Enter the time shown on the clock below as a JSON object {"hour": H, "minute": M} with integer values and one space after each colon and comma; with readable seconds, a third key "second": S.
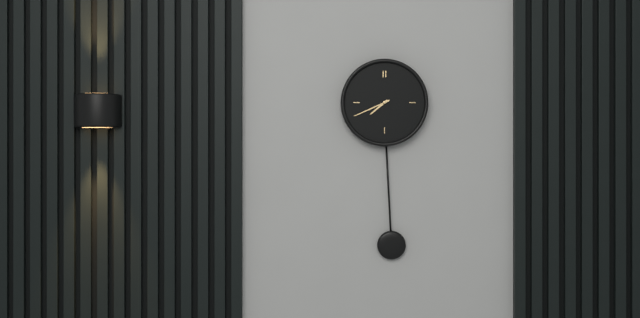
{"hour": 7, "minute": 41}
